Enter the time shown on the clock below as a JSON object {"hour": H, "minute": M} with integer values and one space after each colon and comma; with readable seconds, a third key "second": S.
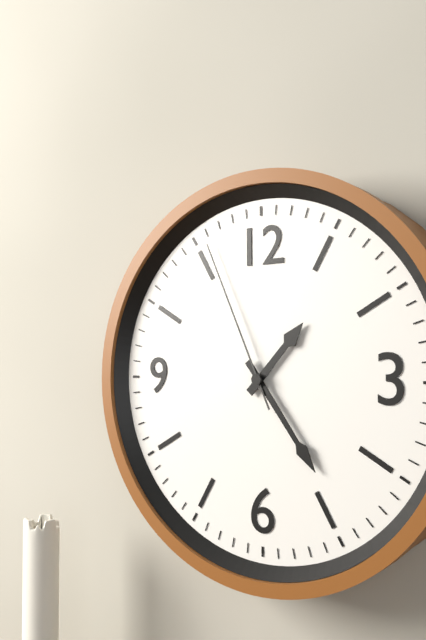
{"hour": 1, "minute": 24, "second": 56}
